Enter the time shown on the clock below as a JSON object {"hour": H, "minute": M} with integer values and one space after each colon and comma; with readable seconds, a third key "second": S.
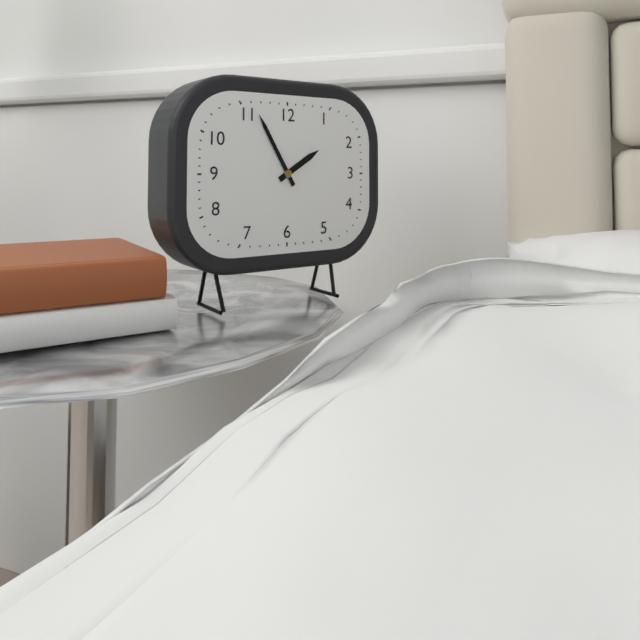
{"hour": 1, "minute": 55}
